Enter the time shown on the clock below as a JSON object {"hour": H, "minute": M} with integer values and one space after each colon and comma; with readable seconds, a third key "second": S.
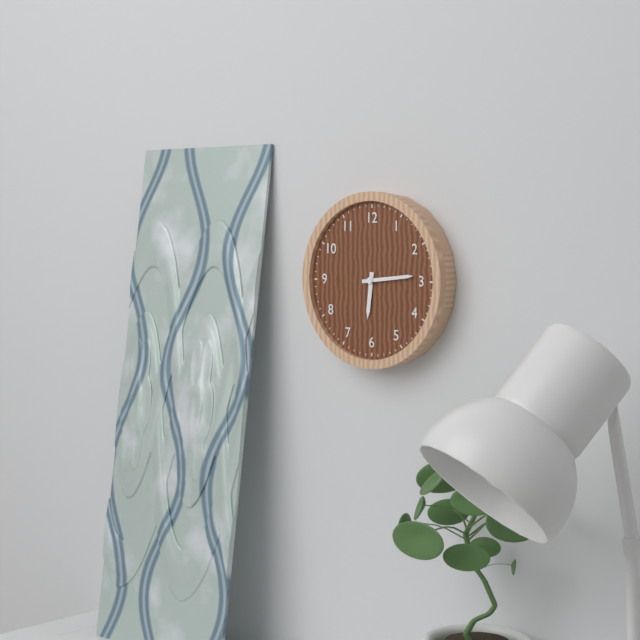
{"hour": 6, "minute": 14}
